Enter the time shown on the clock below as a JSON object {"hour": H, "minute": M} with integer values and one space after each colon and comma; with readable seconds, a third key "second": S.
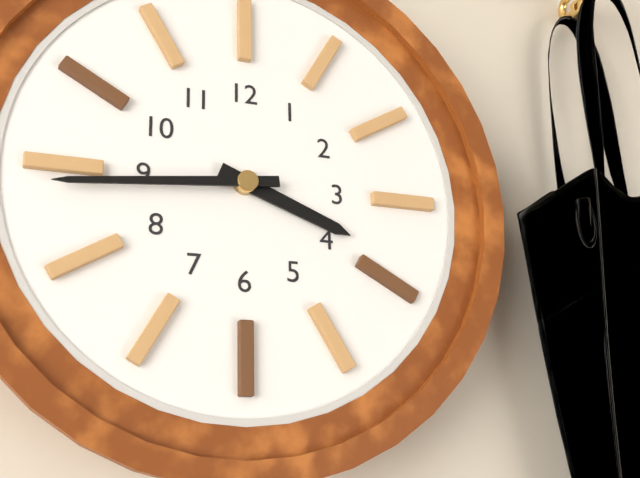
{"hour": 3, "minute": 44}
